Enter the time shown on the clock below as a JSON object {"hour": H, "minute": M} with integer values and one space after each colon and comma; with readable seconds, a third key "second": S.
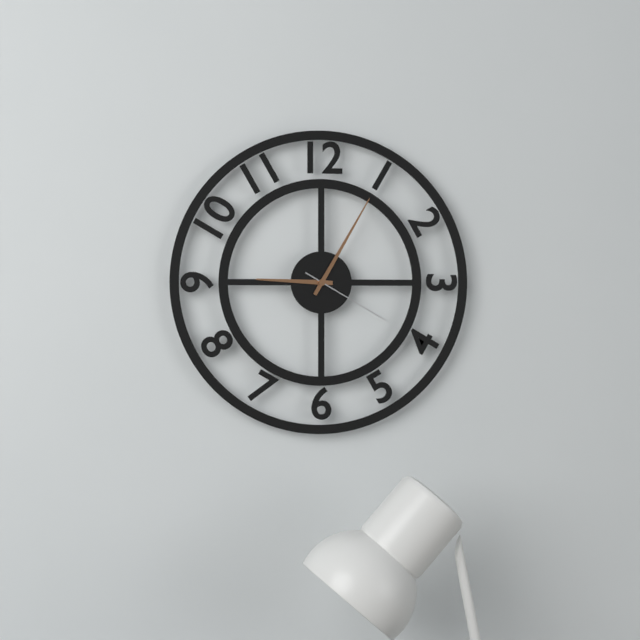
{"hour": 9, "minute": 5, "second": 20}
